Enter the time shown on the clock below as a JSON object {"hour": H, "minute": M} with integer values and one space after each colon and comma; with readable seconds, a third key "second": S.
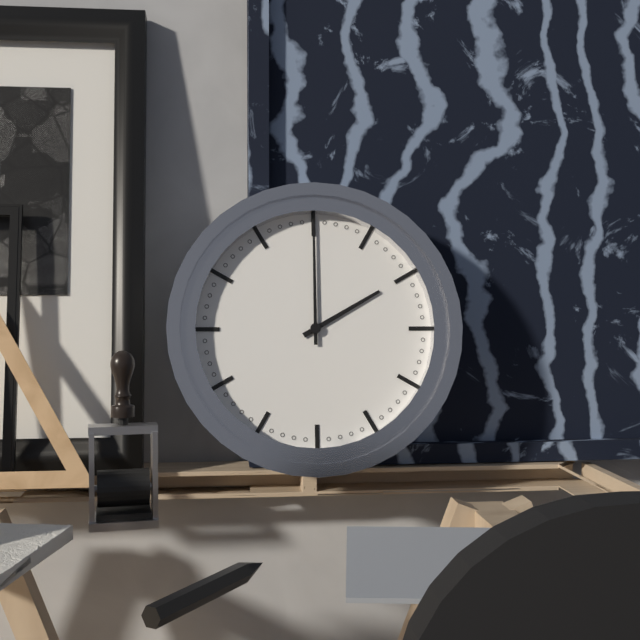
{"hour": 2, "minute": 0}
